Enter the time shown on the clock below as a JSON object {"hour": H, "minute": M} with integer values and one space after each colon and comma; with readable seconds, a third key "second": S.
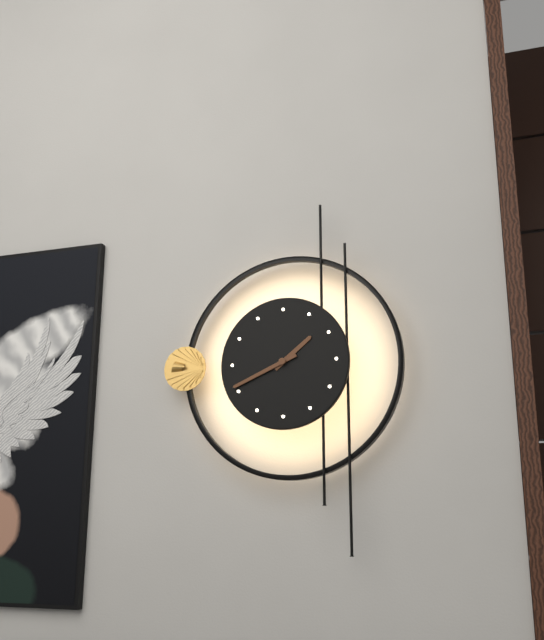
{"hour": 1, "minute": 41}
